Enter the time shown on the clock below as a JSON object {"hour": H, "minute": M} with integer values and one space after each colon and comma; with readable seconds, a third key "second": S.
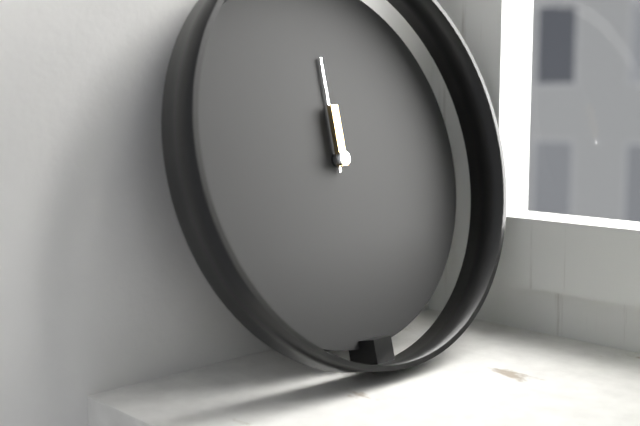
{"hour": 12, "minute": 0}
